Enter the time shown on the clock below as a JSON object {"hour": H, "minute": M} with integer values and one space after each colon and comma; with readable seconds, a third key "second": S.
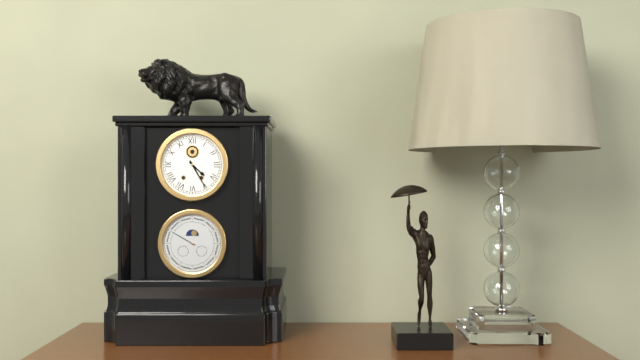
{"hour": 4, "minute": 25}
